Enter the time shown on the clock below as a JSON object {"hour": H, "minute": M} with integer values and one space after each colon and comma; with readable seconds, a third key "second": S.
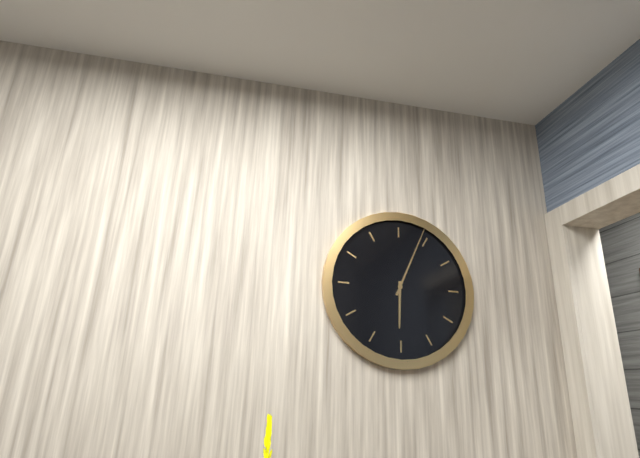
{"hour": 6, "minute": 4}
